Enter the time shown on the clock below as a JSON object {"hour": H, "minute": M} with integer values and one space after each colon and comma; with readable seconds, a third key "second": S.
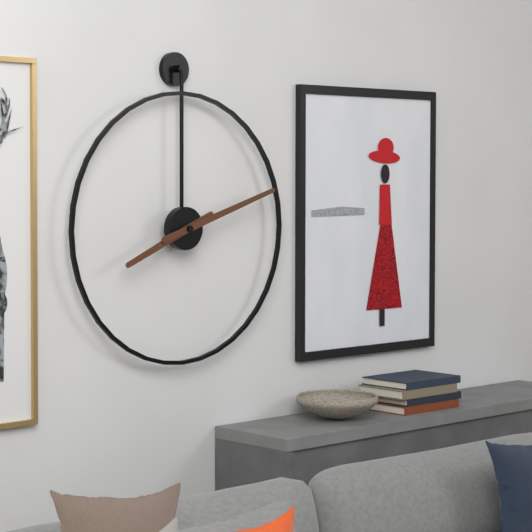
{"hour": 8, "minute": 12}
